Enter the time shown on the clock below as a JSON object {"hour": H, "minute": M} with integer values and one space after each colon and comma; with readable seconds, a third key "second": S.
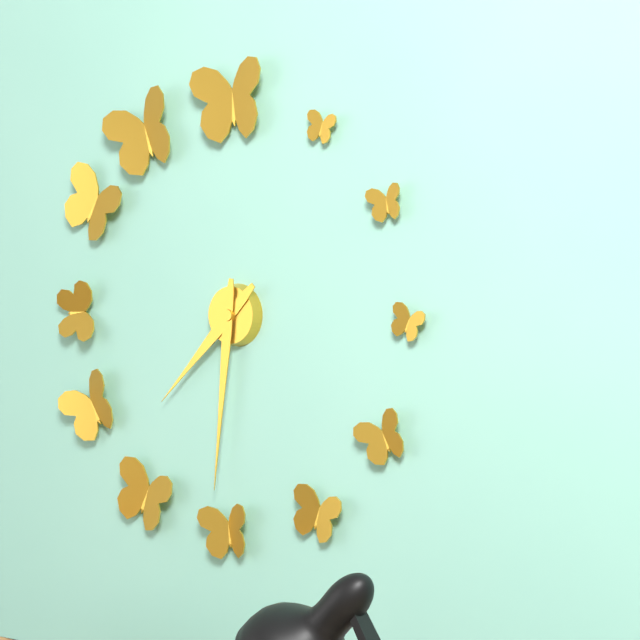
{"hour": 7, "minute": 31}
